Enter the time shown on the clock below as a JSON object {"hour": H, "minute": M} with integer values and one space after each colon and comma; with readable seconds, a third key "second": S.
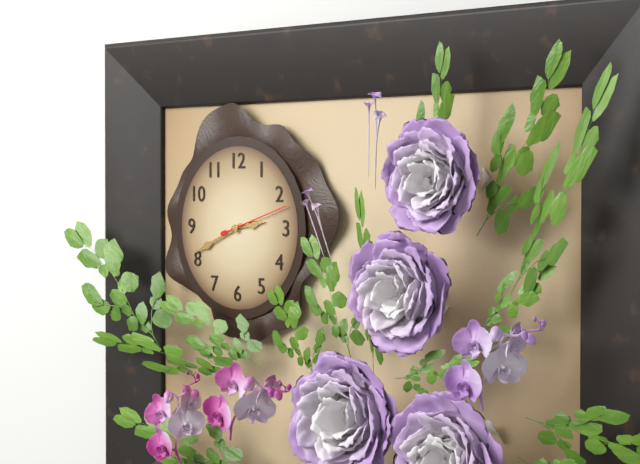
{"hour": 2, "minute": 41, "second": 12}
